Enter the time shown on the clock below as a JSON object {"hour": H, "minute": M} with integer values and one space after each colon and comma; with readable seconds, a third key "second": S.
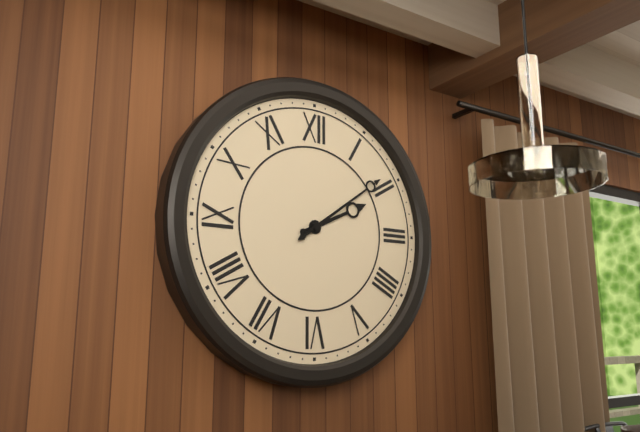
{"hour": 2, "minute": 9}
